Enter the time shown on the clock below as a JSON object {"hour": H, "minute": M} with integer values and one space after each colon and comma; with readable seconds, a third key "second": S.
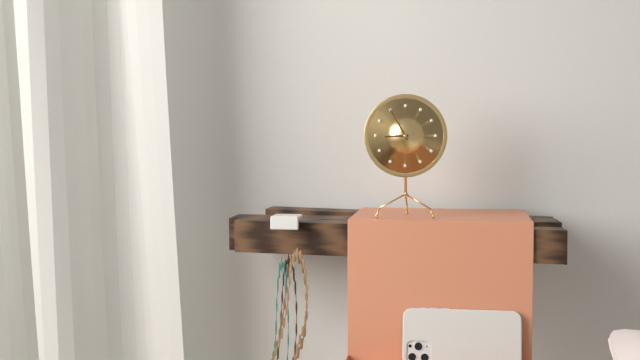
{"hour": 8, "minute": 55}
